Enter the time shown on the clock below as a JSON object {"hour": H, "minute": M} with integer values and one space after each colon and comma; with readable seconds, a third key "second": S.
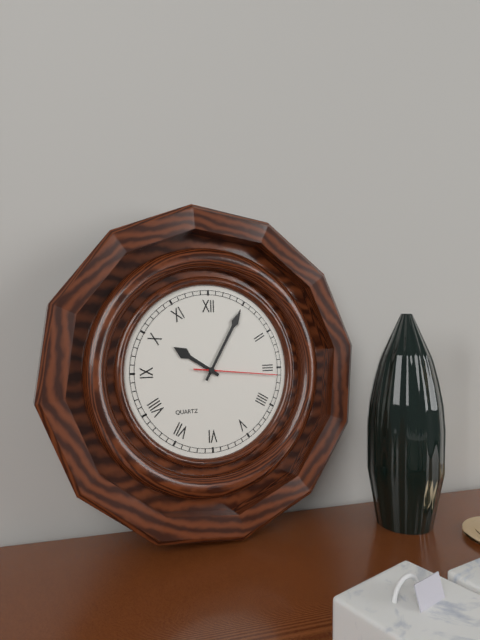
{"hour": 10, "minute": 5, "second": 16}
